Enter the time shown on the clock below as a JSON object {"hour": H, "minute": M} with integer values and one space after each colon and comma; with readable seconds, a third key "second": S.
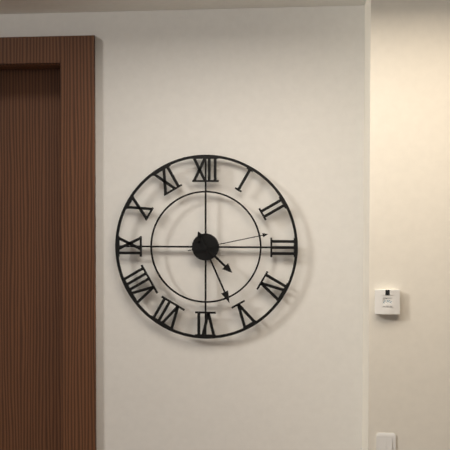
{"hour": 4, "minute": 26, "second": 13}
